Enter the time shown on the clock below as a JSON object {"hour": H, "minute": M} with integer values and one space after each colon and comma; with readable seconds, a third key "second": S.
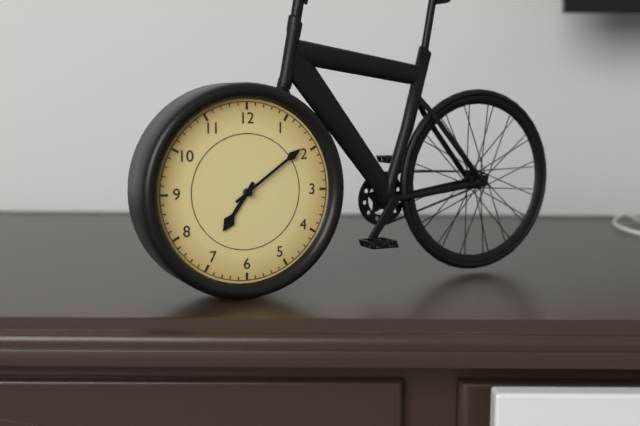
{"hour": 7, "minute": 9}
